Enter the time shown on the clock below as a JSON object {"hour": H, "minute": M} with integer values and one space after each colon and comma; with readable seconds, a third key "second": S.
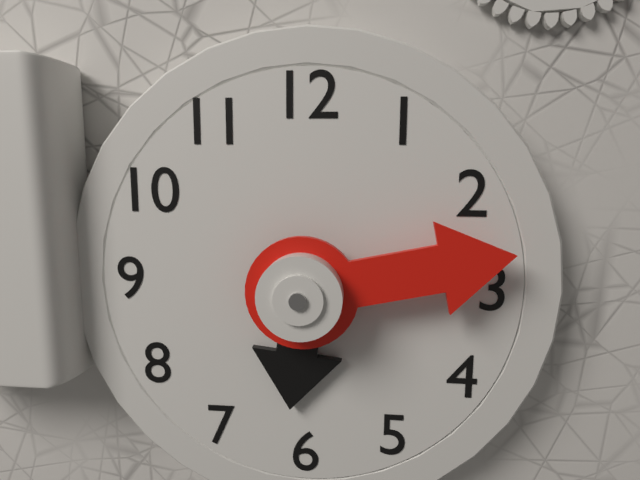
{"hour": 6, "minute": 13}
